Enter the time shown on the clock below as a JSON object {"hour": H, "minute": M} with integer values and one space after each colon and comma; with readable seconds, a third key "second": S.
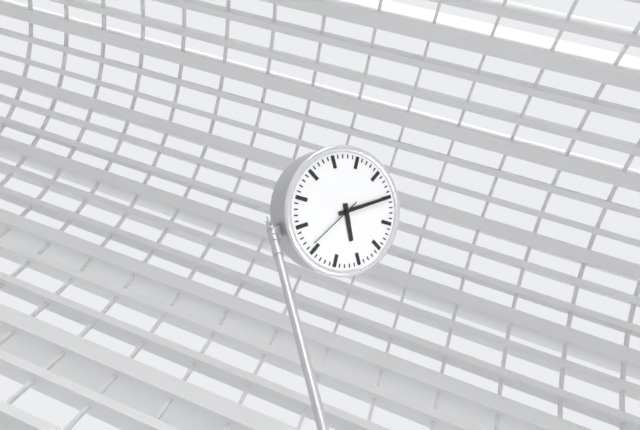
{"hour": 5, "minute": 10, "second": 36}
